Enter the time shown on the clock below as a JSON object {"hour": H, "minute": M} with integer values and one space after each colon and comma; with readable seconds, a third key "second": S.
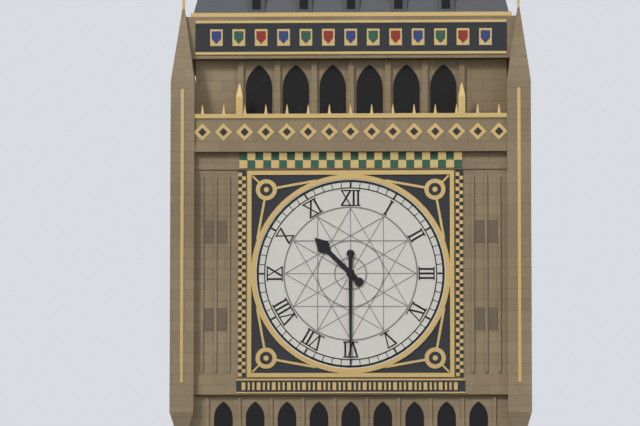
{"hour": 10, "minute": 30}
